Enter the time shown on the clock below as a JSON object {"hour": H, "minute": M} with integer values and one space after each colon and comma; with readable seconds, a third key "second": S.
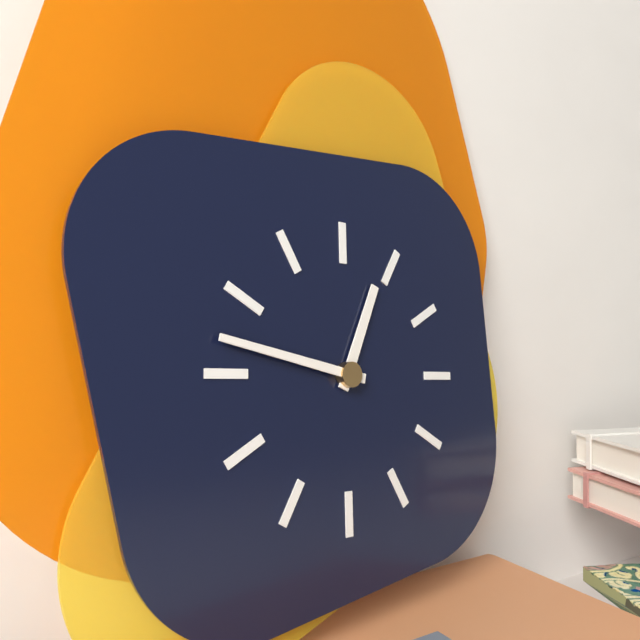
{"hour": 12, "minute": 47}
